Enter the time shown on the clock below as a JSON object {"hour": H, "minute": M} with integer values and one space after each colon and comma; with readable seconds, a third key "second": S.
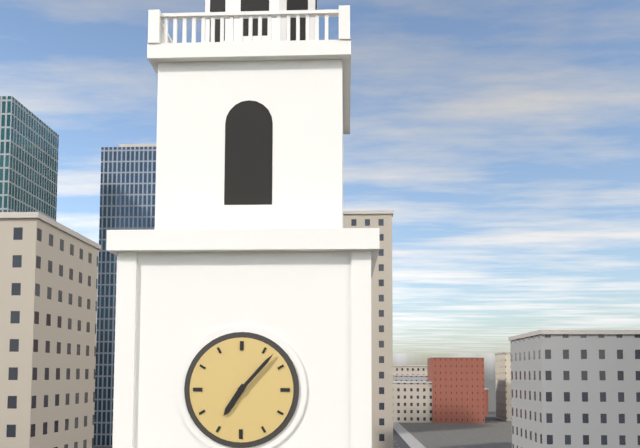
{"hour": 7, "minute": 7}
